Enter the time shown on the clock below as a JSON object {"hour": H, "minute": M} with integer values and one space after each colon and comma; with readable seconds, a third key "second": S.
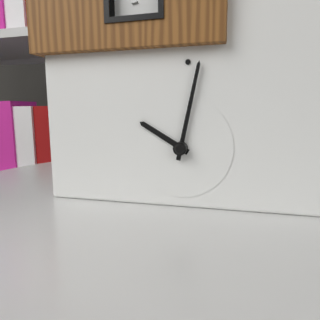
{"hour": 10, "minute": 2}
